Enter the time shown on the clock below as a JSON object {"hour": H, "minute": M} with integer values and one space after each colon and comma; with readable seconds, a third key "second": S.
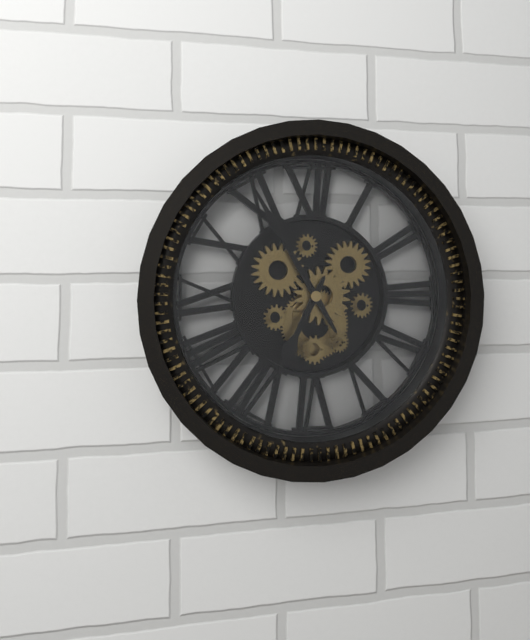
{"hour": 6, "minute": 55}
